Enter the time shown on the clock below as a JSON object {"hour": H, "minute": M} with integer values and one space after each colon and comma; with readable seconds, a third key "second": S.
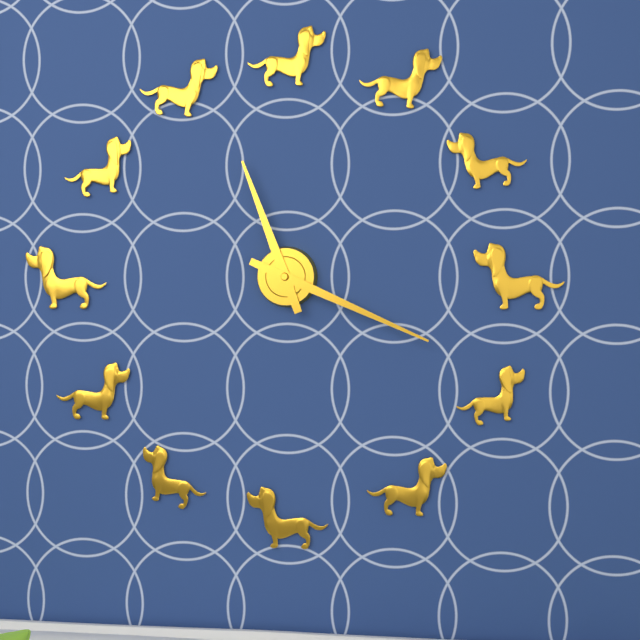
{"hour": 11, "minute": 19}
